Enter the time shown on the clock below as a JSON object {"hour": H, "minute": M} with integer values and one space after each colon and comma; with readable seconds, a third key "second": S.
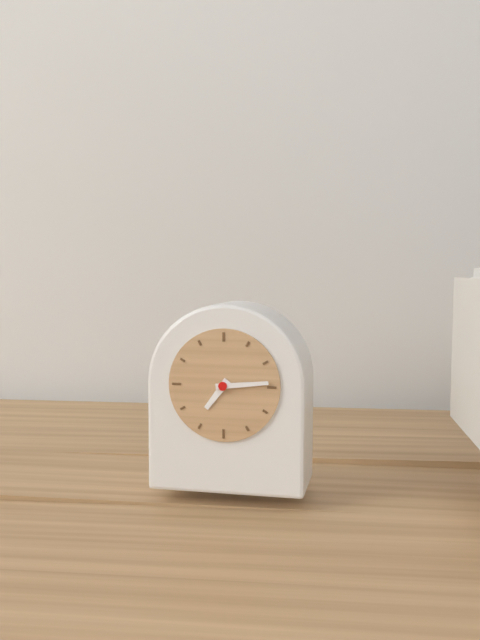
{"hour": 7, "minute": 14}
